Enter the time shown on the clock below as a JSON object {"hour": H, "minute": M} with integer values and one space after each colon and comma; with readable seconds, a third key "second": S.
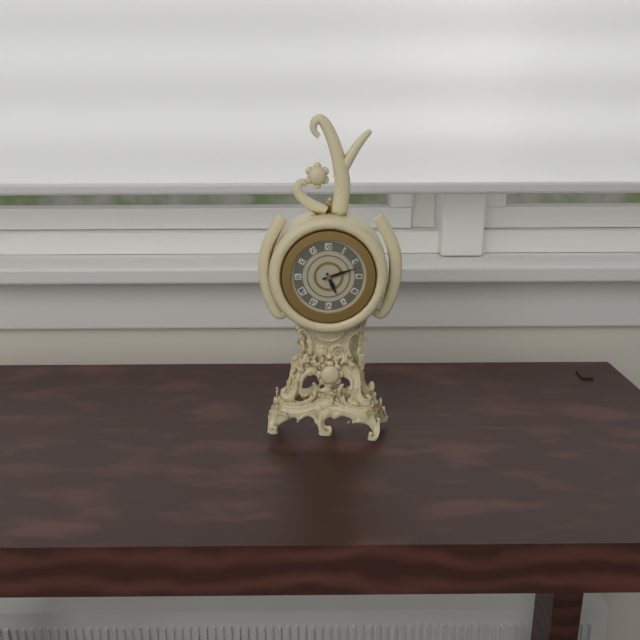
{"hour": 5, "minute": 12}
